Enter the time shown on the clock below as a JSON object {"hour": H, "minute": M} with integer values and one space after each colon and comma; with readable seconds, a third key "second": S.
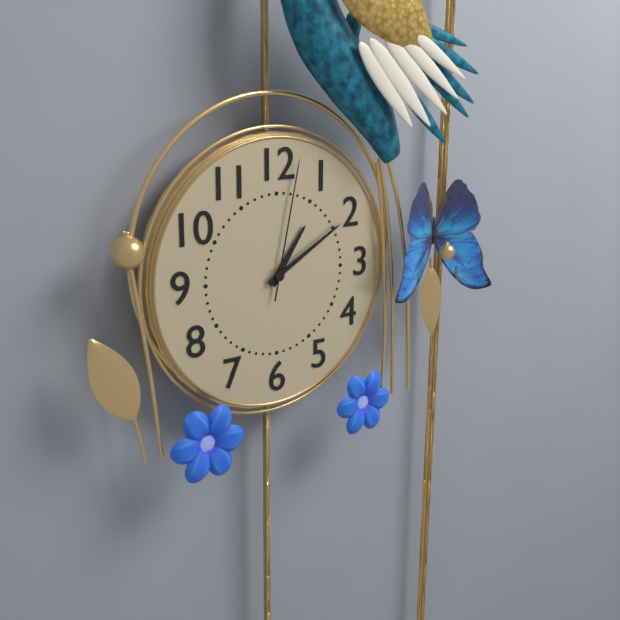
{"hour": 1, "minute": 10, "second": 2}
